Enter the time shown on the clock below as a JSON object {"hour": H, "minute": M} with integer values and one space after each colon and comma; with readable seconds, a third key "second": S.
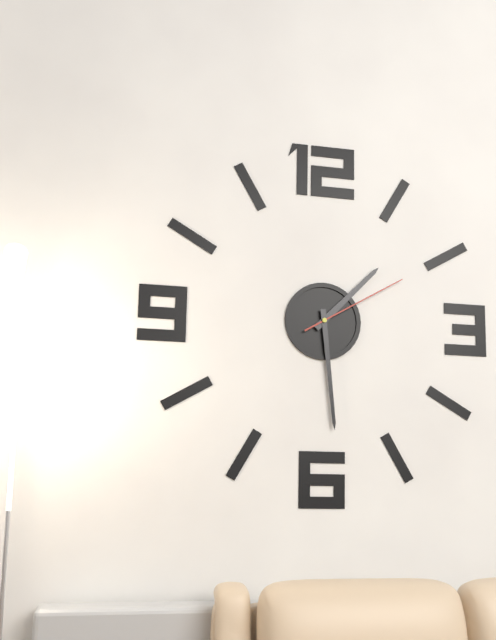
{"hour": 1, "minute": 29, "second": 10}
